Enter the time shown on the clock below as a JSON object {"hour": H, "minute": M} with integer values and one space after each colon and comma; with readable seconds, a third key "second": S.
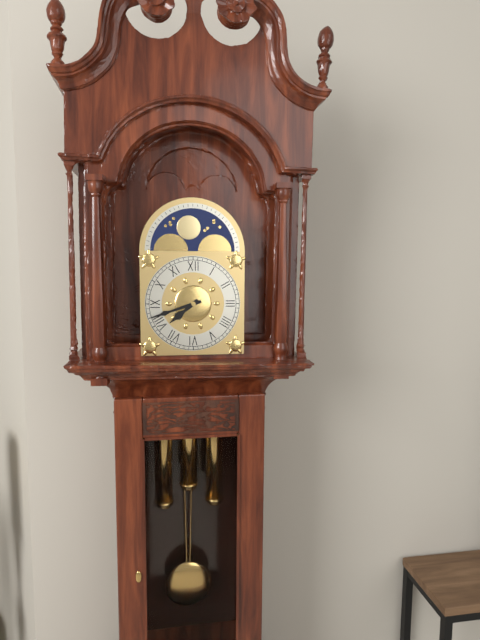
{"hour": 7, "minute": 42}
